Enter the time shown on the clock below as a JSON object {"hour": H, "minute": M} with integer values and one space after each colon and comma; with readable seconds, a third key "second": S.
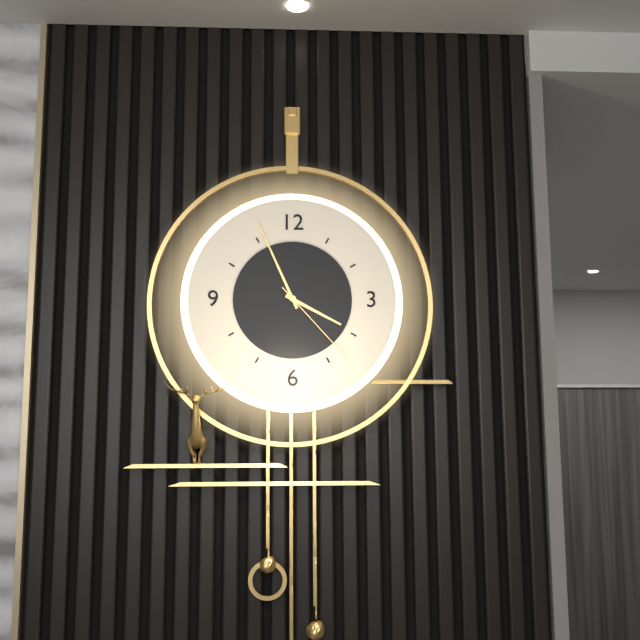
{"hour": 3, "minute": 56, "second": 23}
